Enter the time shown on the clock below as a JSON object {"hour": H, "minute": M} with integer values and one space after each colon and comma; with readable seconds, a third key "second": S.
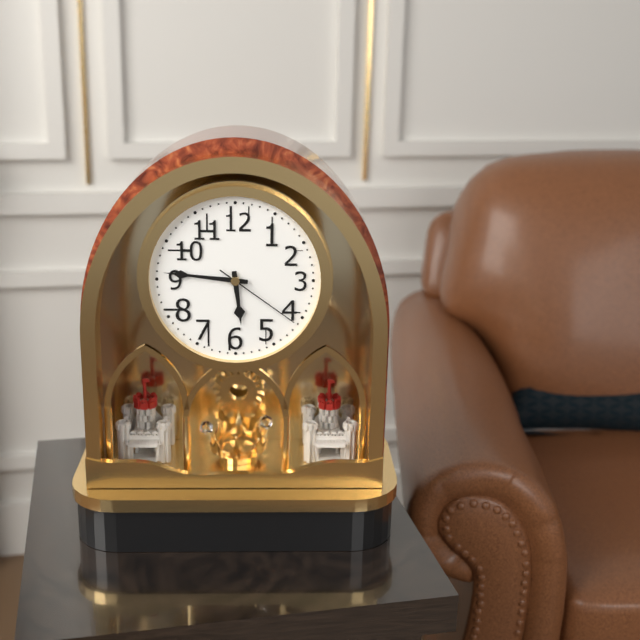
{"hour": 5, "minute": 46, "second": 21}
